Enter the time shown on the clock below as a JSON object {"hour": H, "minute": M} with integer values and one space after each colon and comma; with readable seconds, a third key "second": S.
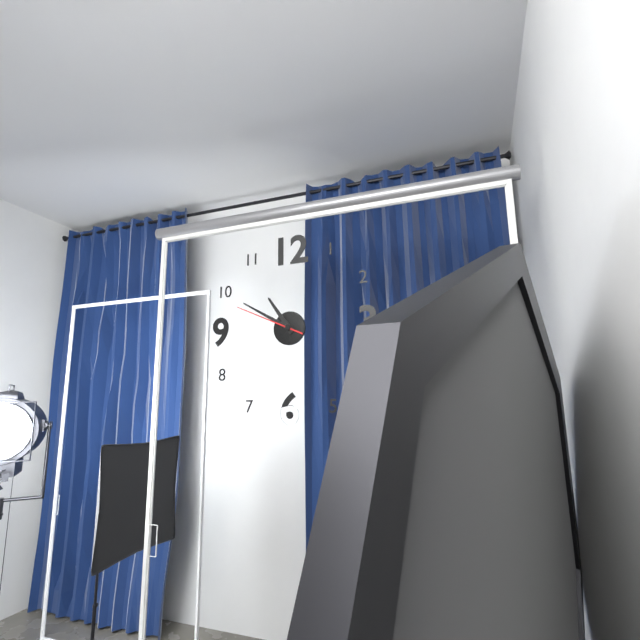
{"hour": 10, "minute": 50, "second": 49}
